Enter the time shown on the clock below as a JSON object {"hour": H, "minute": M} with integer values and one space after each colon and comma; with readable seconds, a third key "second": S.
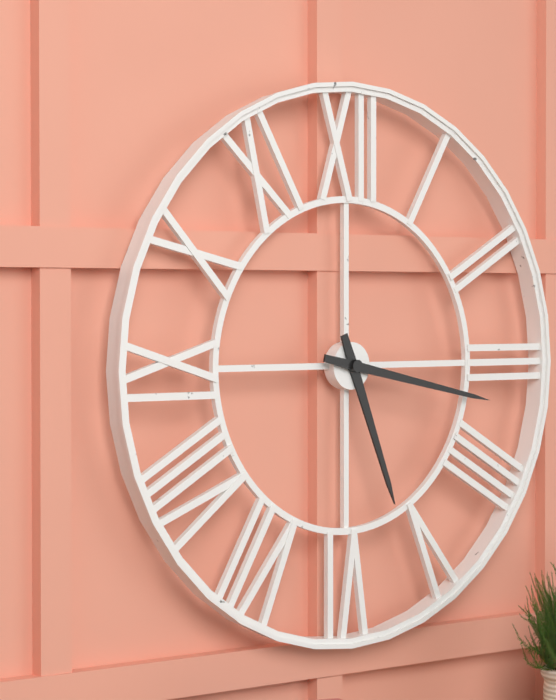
{"hour": 5, "minute": 17}
